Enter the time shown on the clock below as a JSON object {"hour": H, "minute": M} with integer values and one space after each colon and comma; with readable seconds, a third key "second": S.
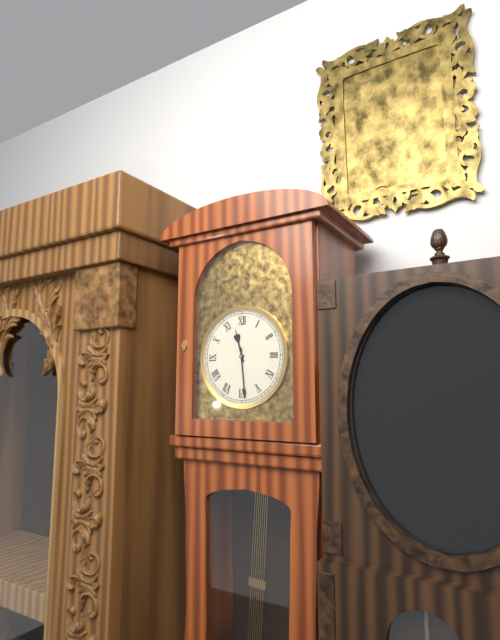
{"hour": 11, "minute": 29}
